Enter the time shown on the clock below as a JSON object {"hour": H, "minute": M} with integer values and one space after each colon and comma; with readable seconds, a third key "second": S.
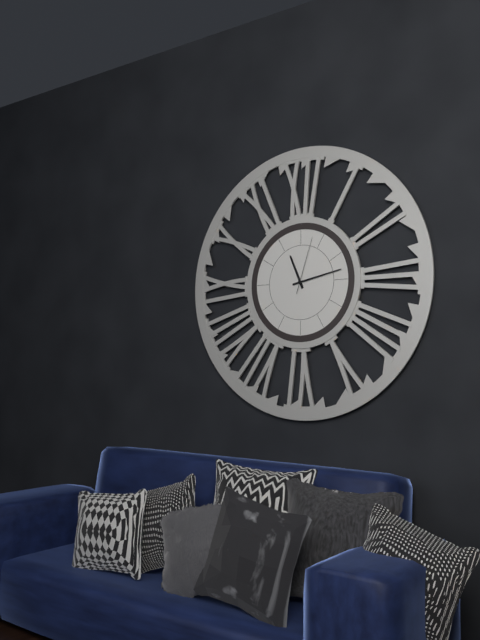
{"hour": 11, "minute": 13, "second": 3}
